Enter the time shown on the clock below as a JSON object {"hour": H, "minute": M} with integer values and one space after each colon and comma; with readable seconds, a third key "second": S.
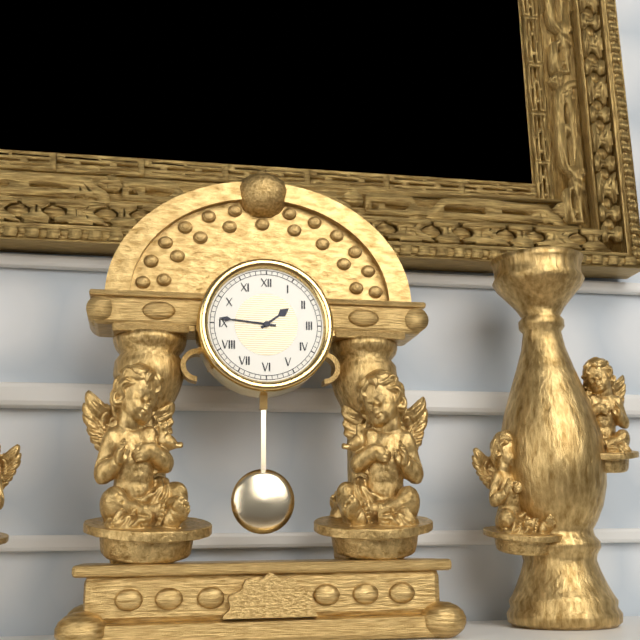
{"hour": 1, "minute": 46}
